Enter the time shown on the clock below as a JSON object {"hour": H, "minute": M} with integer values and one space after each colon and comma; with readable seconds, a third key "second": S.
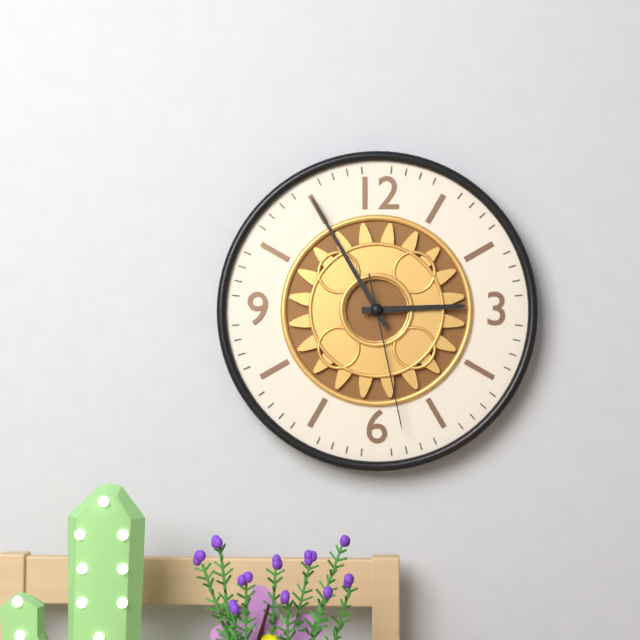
{"hour": 2, "minute": 55, "second": 28}
